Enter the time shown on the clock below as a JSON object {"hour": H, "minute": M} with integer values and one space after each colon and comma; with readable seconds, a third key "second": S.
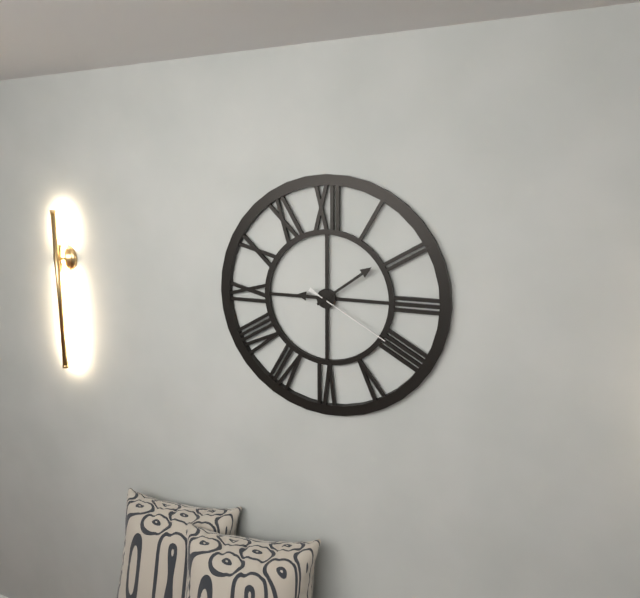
{"hour": 9, "minute": 9, "second": 20}
